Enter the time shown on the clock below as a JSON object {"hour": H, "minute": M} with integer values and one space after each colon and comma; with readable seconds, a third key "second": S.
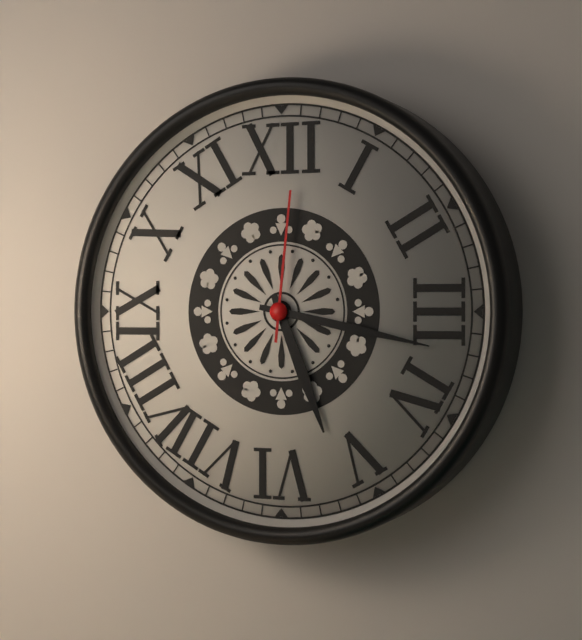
{"hour": 5, "minute": 17, "second": 1}
